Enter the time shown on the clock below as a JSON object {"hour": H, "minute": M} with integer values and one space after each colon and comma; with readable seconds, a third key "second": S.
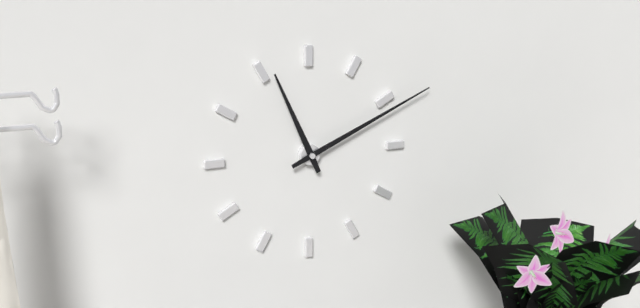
{"hour": 11, "minute": 11}
